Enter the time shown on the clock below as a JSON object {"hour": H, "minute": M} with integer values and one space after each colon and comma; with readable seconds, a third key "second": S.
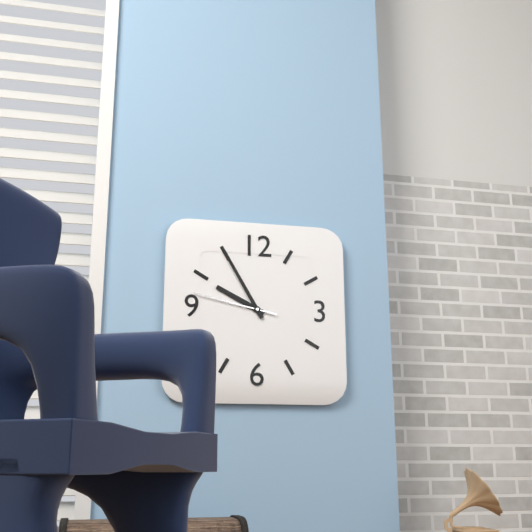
{"hour": 9, "minute": 55, "second": 47}
